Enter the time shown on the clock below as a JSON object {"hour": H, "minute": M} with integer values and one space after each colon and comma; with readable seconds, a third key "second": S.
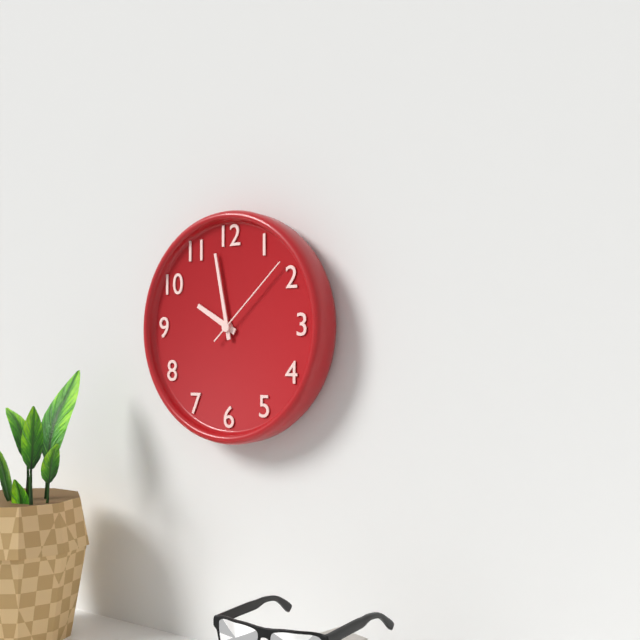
{"hour": 9, "minute": 58, "second": 8}
